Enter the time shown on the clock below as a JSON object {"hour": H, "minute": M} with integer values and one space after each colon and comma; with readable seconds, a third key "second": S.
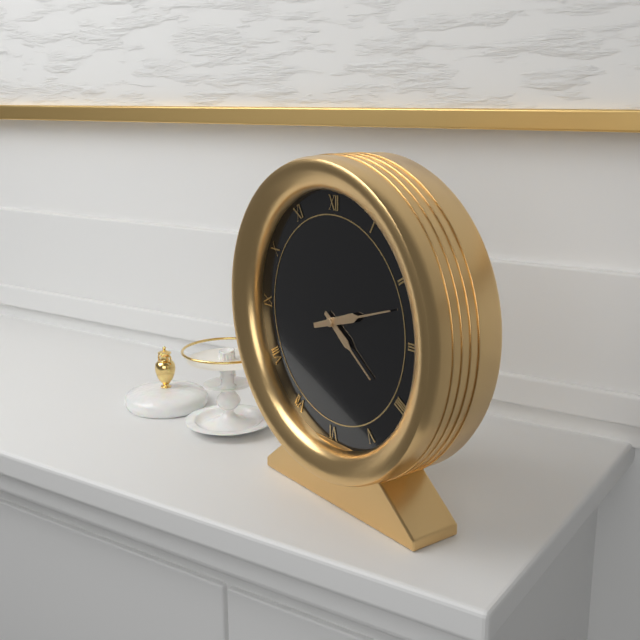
{"hour": 4, "minute": 12}
